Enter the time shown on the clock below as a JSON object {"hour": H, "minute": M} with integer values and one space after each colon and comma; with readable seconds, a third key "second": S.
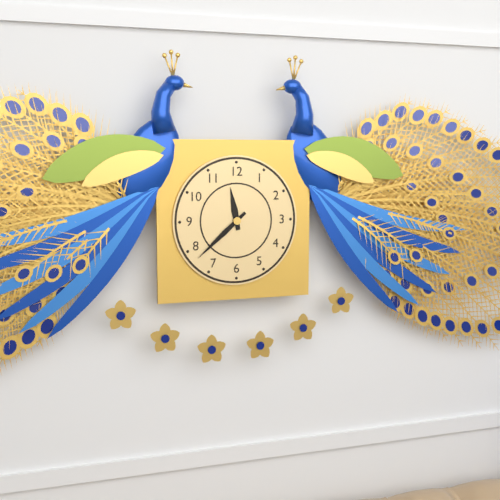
{"hour": 11, "minute": 38}
